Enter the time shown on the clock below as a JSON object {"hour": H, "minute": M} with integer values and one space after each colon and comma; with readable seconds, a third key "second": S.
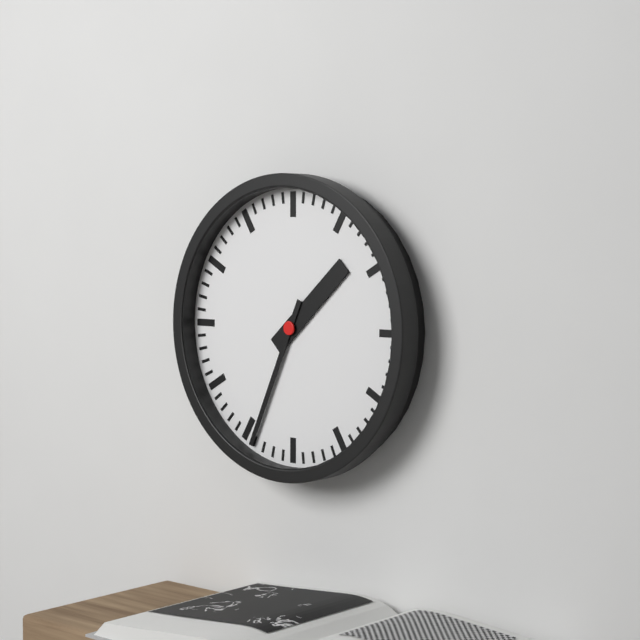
{"hour": 1, "minute": 34}
